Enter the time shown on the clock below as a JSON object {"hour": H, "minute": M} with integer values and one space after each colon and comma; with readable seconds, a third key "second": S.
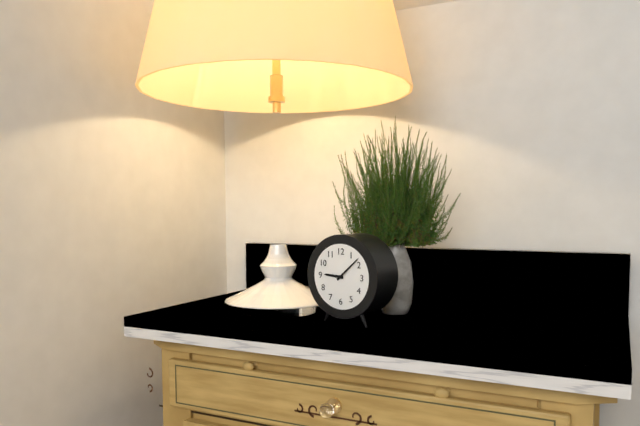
{"hour": 9, "minute": 8}
